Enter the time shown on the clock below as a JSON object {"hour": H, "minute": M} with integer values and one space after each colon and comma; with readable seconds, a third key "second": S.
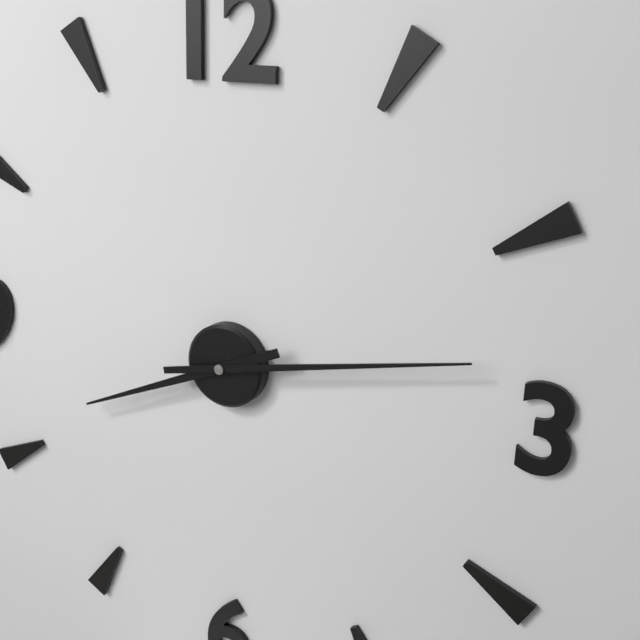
{"hour": 8, "minute": 13}
